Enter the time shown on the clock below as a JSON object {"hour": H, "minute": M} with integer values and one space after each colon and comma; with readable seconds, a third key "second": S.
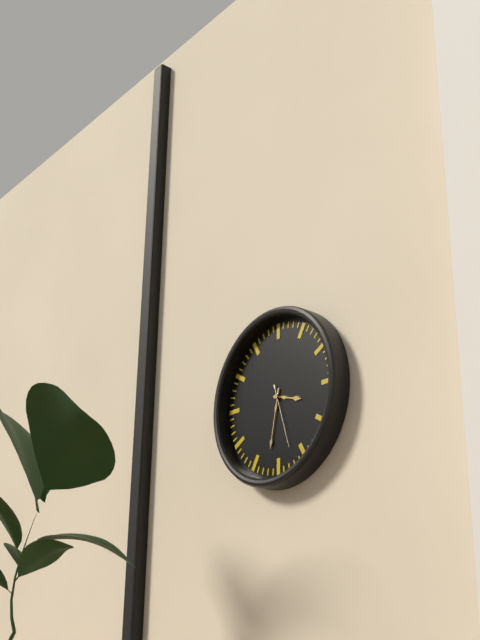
{"hour": 3, "minute": 32, "second": 27}
